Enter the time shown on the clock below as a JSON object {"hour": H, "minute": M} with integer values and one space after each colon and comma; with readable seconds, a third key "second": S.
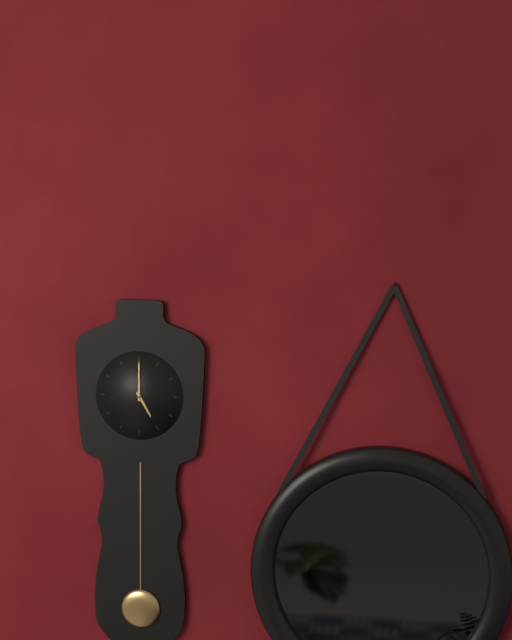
{"hour": 5, "minute": 0}
